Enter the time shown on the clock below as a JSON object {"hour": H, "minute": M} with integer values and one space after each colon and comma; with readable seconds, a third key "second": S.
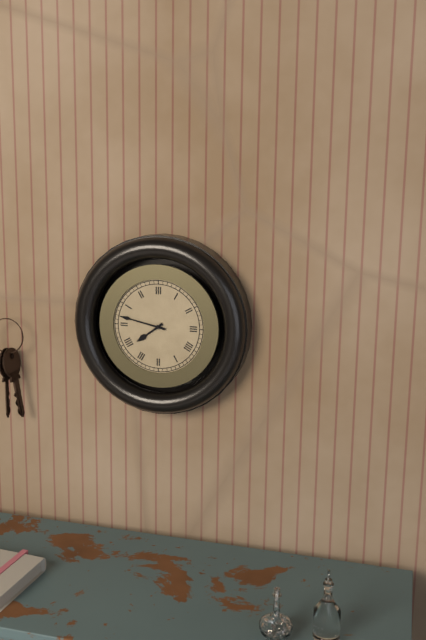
{"hour": 7, "minute": 47}
